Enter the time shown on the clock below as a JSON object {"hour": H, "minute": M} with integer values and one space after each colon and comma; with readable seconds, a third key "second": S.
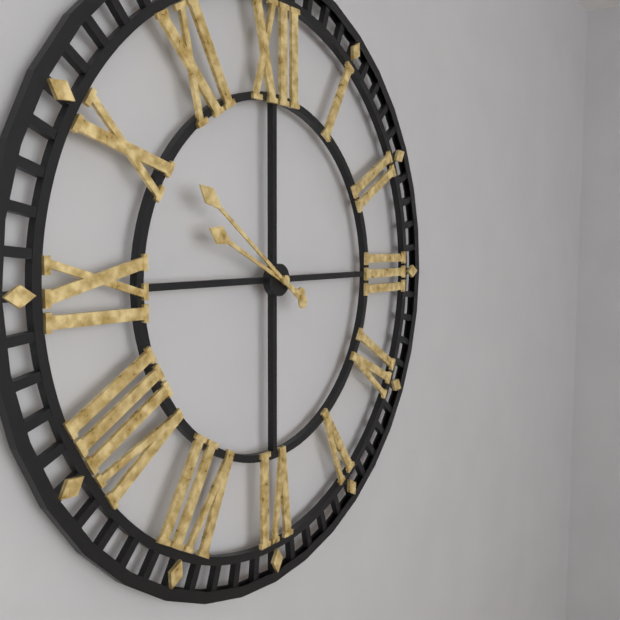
{"hour": 9, "minute": 51}
